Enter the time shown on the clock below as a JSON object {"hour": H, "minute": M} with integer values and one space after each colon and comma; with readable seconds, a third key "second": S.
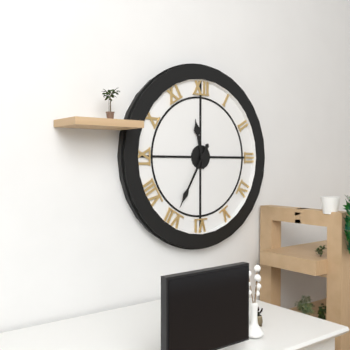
{"hour": 11, "minute": 35}
